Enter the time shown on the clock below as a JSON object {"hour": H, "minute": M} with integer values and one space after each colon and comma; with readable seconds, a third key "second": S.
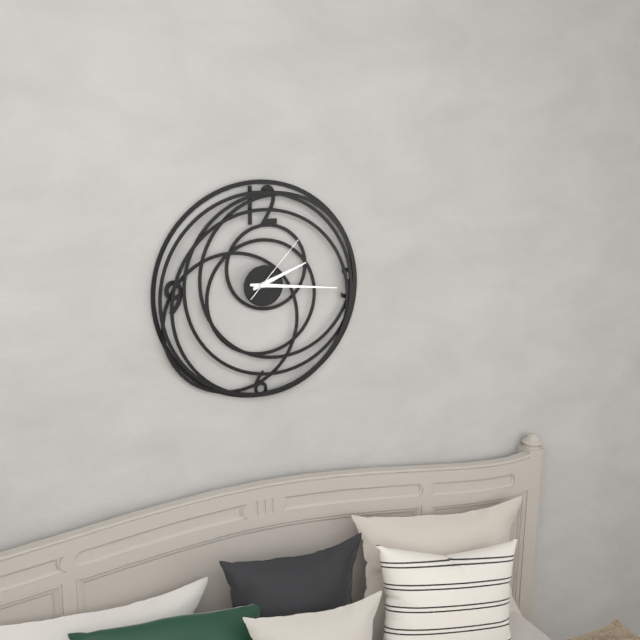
{"hour": 2, "minute": 16, "second": 7}
